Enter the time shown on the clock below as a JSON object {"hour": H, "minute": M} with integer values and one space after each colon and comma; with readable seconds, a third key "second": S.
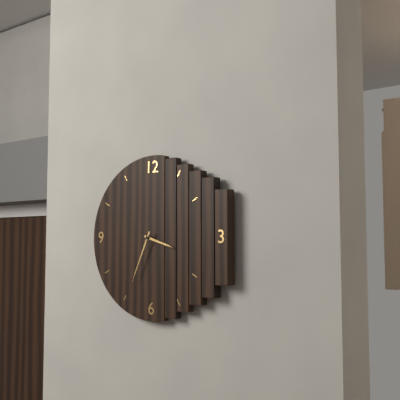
{"hour": 3, "minute": 34}
